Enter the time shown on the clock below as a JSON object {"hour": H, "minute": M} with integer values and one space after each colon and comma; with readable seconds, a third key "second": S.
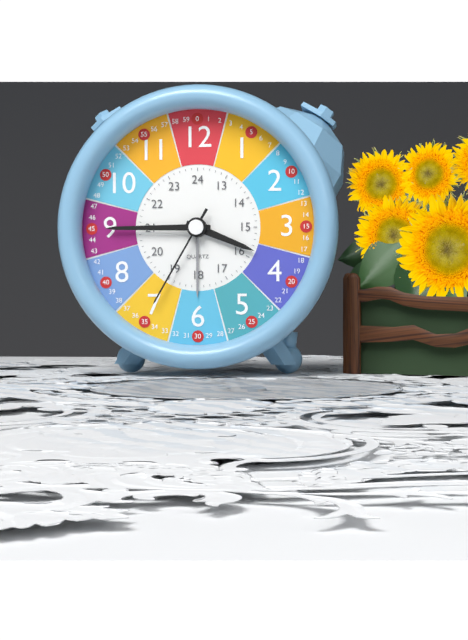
{"hour": 3, "minute": 45, "second": 35}
